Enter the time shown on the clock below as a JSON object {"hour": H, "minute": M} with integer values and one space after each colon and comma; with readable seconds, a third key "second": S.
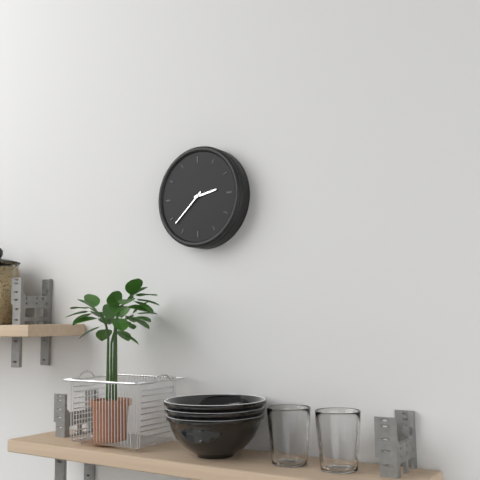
{"hour": 2, "minute": 38}
